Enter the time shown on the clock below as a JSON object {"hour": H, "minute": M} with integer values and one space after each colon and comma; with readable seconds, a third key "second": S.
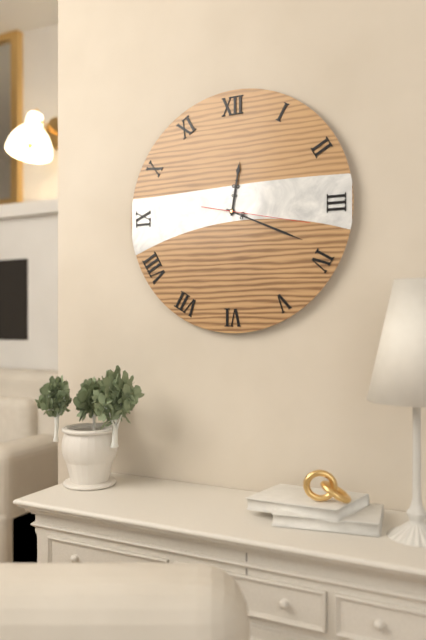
{"hour": 12, "minute": 19, "second": 17}
